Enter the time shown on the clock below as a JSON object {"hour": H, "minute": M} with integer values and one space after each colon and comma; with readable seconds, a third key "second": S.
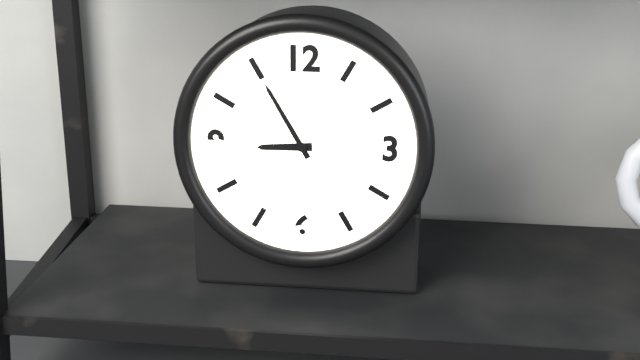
{"hour": 8, "minute": 55}
